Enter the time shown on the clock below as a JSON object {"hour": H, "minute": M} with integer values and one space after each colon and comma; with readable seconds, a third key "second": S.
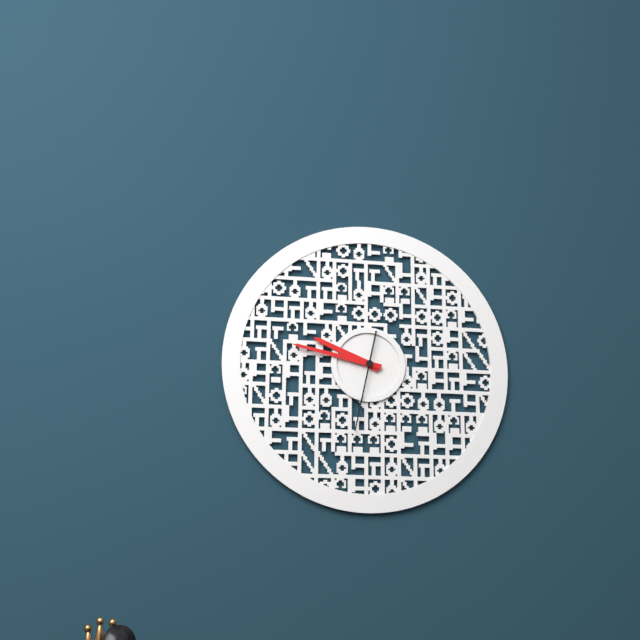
{"hour": 9, "minute": 47, "second": 32}
